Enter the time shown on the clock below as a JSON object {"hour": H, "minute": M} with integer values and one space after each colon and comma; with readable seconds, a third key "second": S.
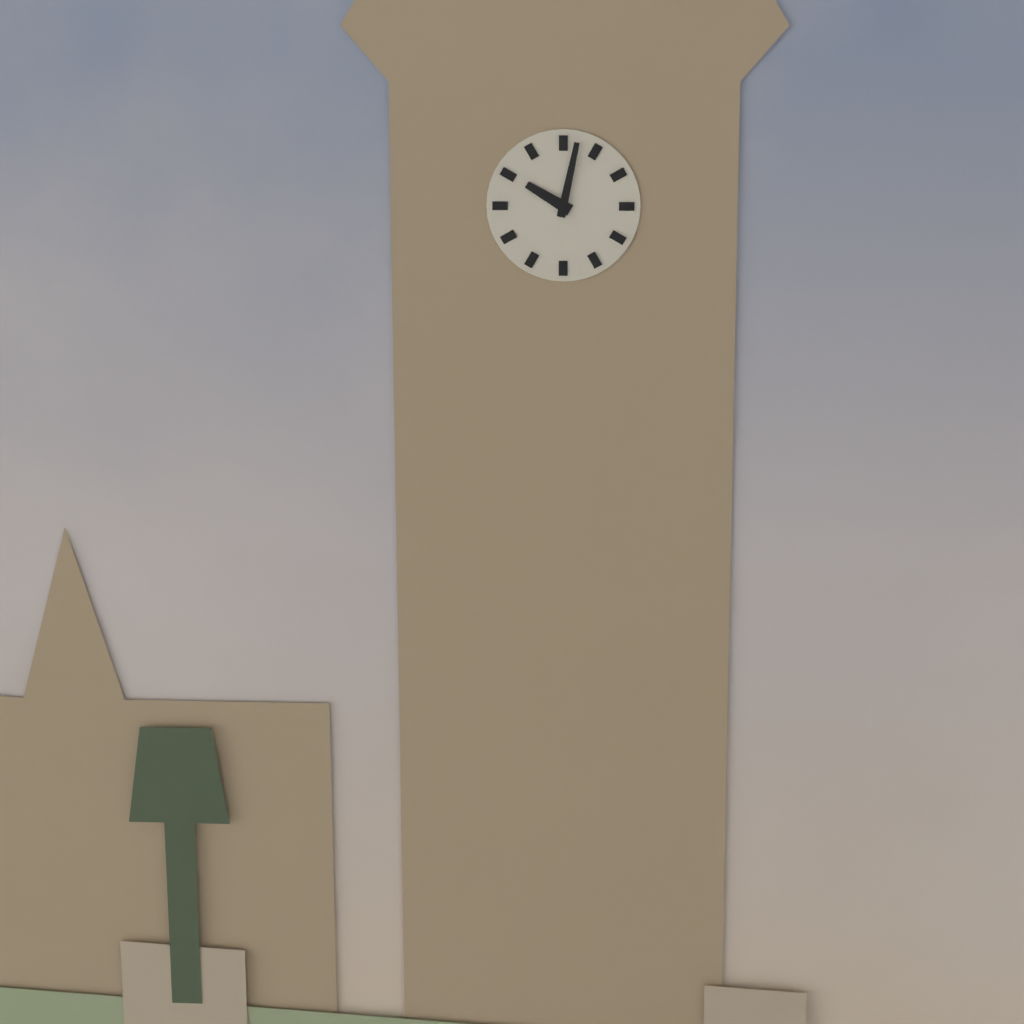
{"hour": 10, "minute": 2}
